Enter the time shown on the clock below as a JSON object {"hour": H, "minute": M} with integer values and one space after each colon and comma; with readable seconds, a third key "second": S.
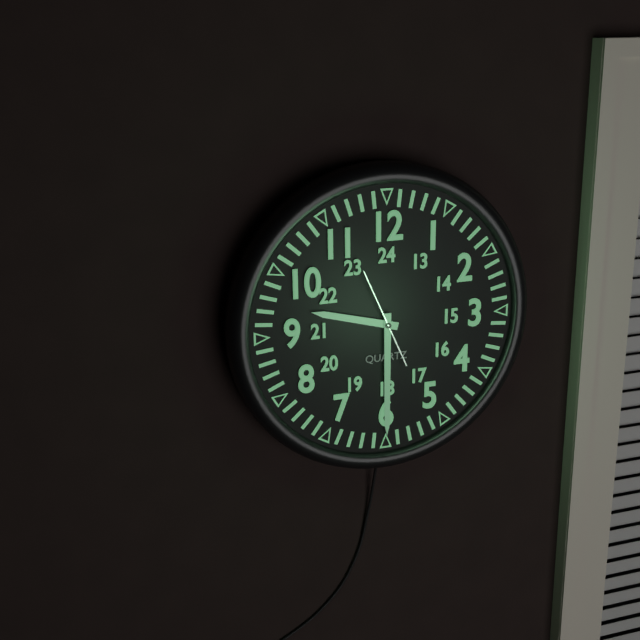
{"hour": 9, "minute": 30, "second": 56}
